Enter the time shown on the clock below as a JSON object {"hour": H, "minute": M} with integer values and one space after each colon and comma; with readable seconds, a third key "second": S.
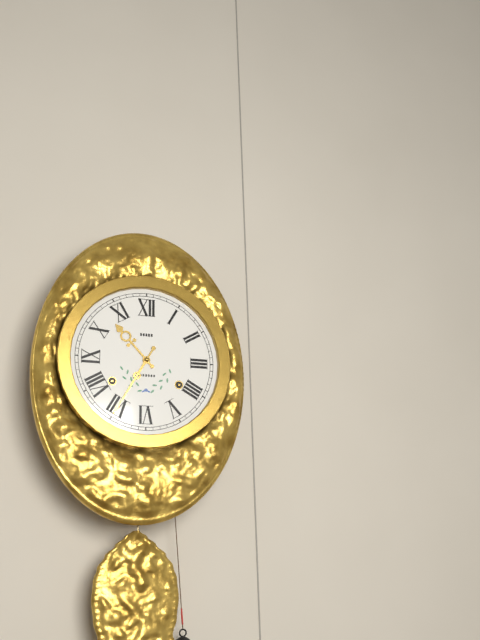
{"hour": 10, "minute": 35}
